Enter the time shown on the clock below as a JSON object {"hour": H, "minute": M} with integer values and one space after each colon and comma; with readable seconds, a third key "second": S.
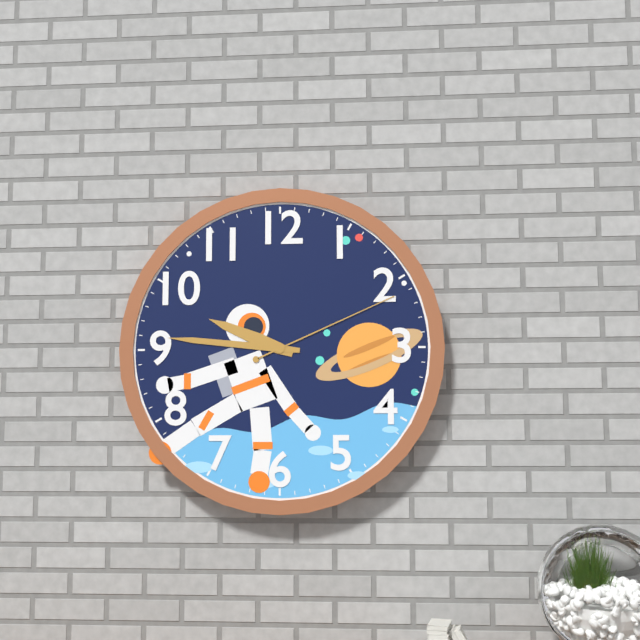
{"hour": 9, "minute": 46, "second": 11}
